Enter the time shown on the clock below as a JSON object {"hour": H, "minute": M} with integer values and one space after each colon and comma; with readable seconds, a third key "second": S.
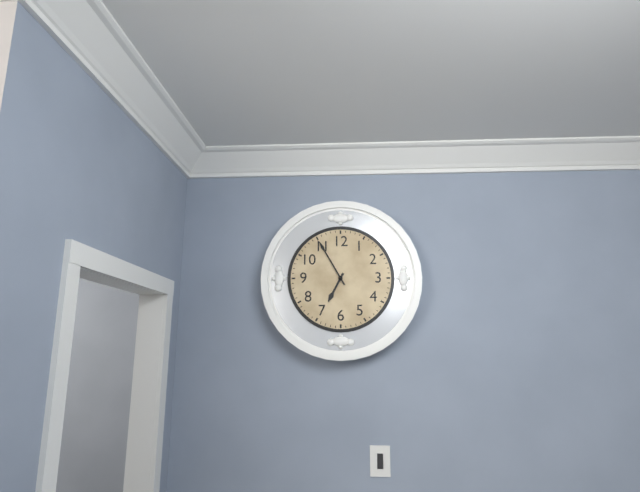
{"hour": 6, "minute": 55}
